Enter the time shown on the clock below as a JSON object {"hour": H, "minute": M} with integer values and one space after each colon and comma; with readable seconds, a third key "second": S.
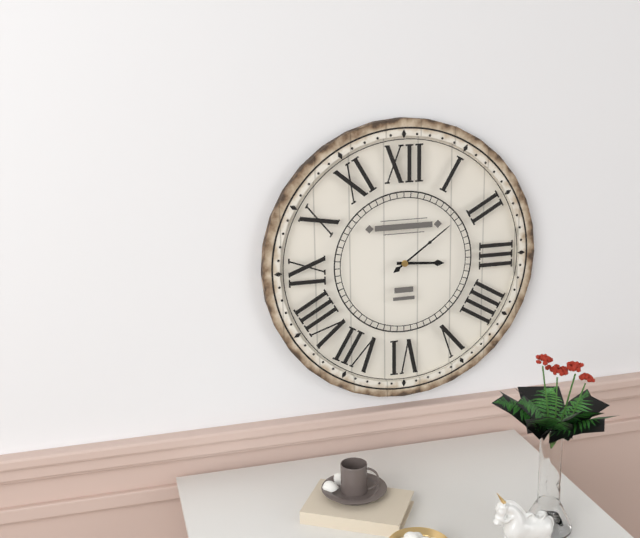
{"hour": 3, "minute": 9}
